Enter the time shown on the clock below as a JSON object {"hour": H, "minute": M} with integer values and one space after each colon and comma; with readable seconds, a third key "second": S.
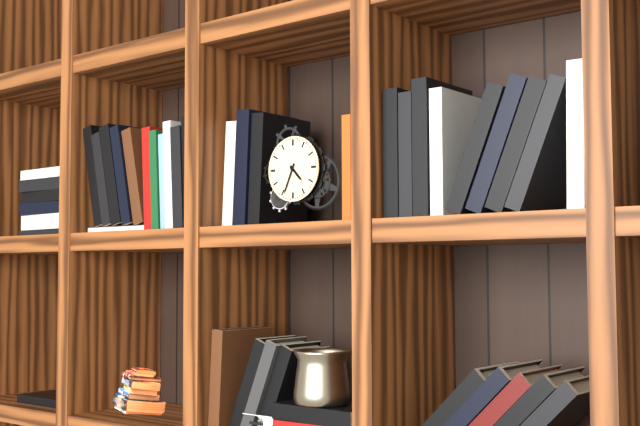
{"hour": 4, "minute": 34}
